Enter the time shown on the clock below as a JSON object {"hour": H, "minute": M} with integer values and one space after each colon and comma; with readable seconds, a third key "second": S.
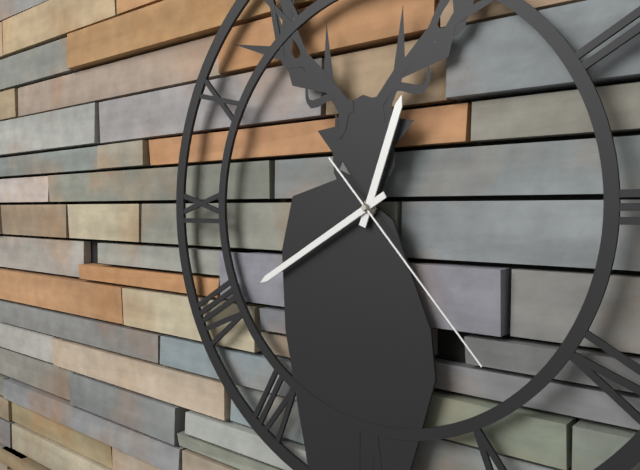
{"hour": 12, "minute": 40, "second": 23}
